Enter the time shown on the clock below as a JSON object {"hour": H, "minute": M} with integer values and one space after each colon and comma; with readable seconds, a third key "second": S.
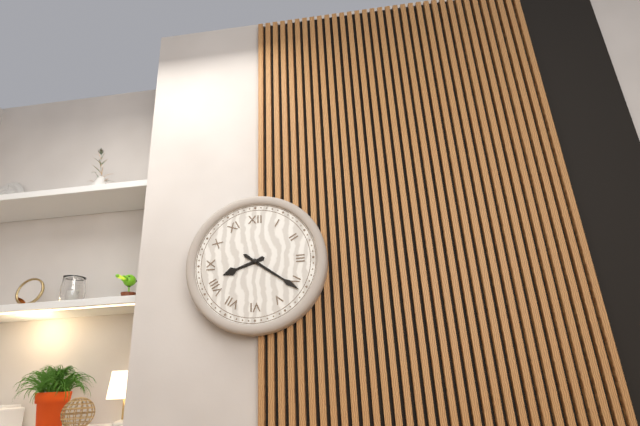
{"hour": 8, "minute": 21}
